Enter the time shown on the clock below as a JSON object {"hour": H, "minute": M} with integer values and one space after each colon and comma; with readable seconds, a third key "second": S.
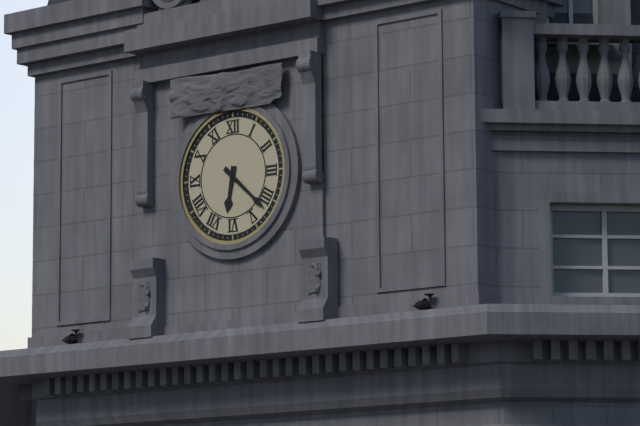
{"hour": 6, "minute": 22}
